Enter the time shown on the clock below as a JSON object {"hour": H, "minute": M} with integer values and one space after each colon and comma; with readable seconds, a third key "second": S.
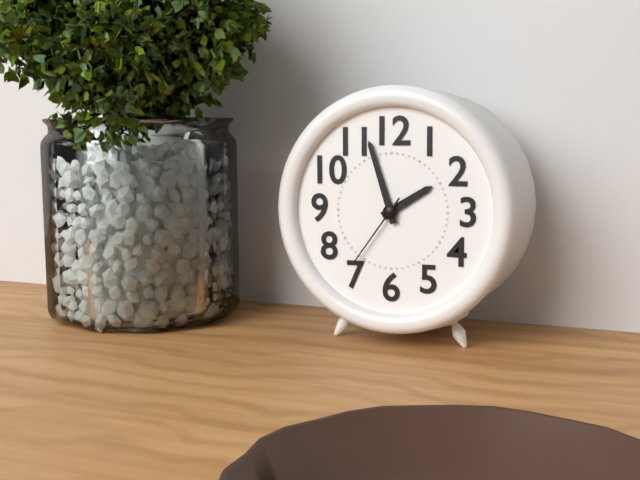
{"hour": 1, "minute": 57, "second": 36}
